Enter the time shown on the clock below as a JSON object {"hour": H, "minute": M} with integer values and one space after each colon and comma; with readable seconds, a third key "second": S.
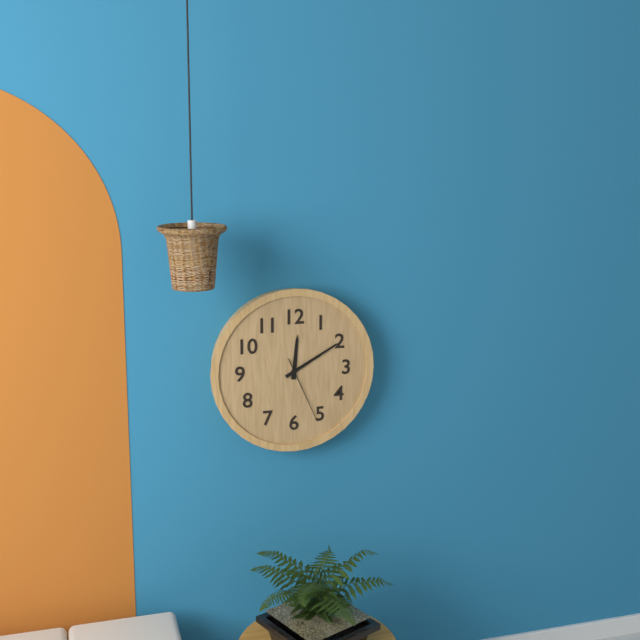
{"hour": 12, "minute": 10, "second": 26}
